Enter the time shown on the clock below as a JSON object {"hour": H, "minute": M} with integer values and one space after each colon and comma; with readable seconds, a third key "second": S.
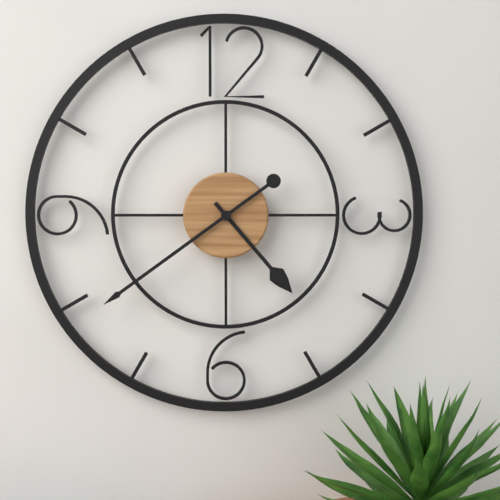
{"hour": 4, "minute": 39}
